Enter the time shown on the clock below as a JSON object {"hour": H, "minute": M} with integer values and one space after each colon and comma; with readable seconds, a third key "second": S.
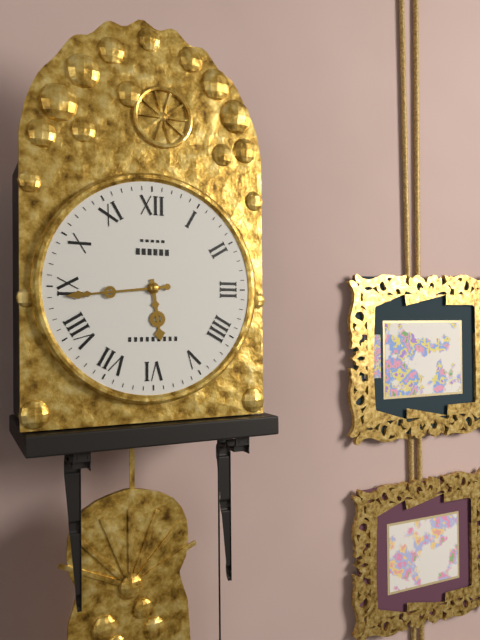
{"hour": 5, "minute": 44}
